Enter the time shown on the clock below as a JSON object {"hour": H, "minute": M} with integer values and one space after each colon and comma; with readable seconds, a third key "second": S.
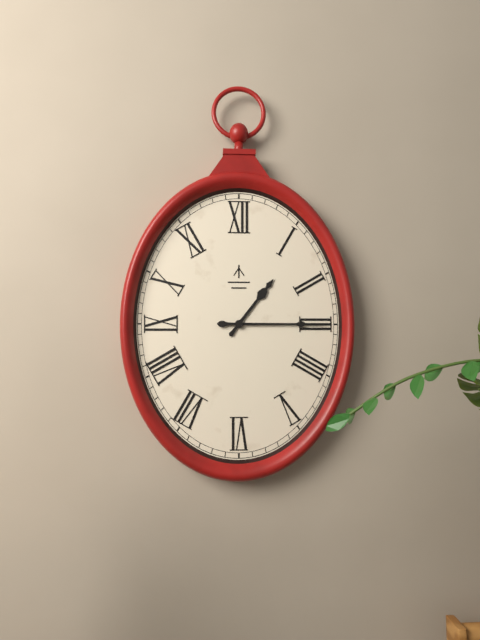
{"hour": 1, "minute": 15}
